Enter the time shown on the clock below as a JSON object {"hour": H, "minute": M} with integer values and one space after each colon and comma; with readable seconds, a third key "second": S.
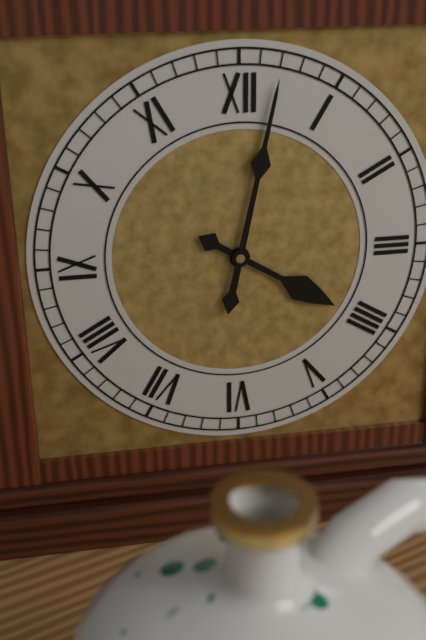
{"hour": 4, "minute": 2}
